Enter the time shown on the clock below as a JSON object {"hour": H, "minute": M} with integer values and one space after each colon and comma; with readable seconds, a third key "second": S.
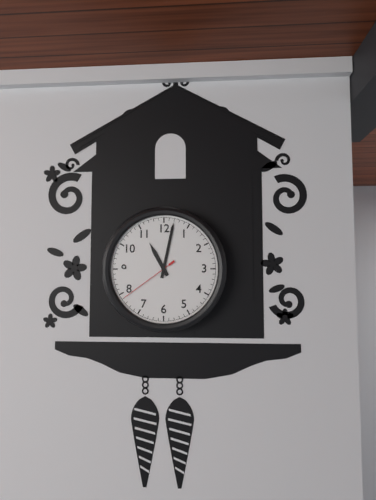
{"hour": 11, "minute": 2, "second": 39}
